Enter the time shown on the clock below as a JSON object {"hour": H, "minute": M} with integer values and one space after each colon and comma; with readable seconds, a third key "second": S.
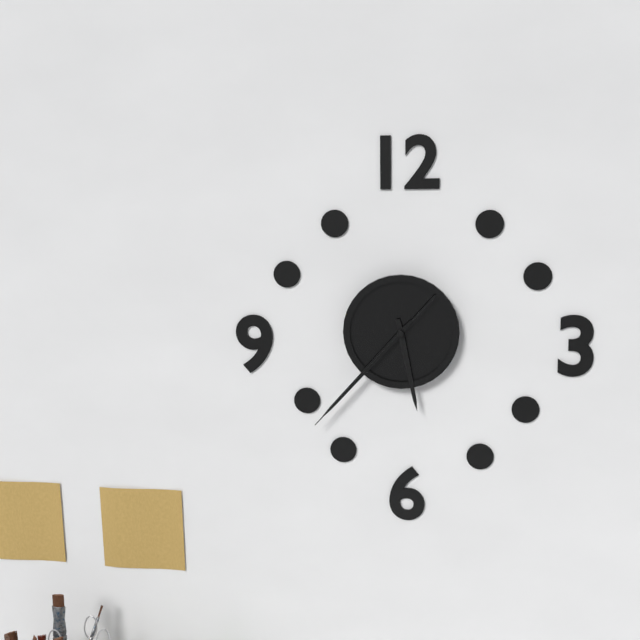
{"hour": 5, "minute": 37, "second": 37}
